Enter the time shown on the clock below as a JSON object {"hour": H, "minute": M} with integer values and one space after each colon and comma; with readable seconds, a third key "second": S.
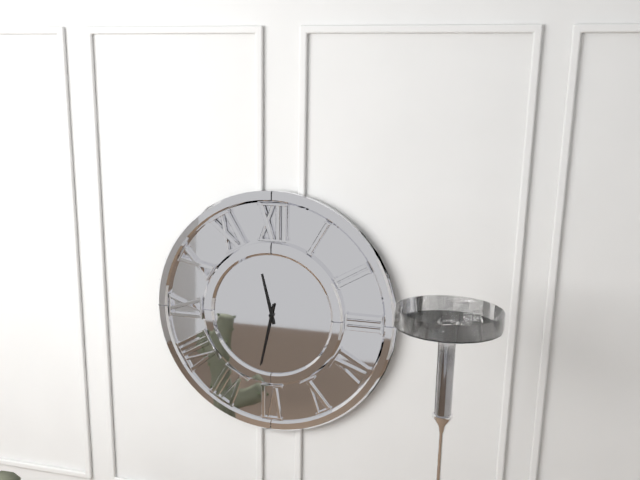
{"hour": 11, "minute": 32}
